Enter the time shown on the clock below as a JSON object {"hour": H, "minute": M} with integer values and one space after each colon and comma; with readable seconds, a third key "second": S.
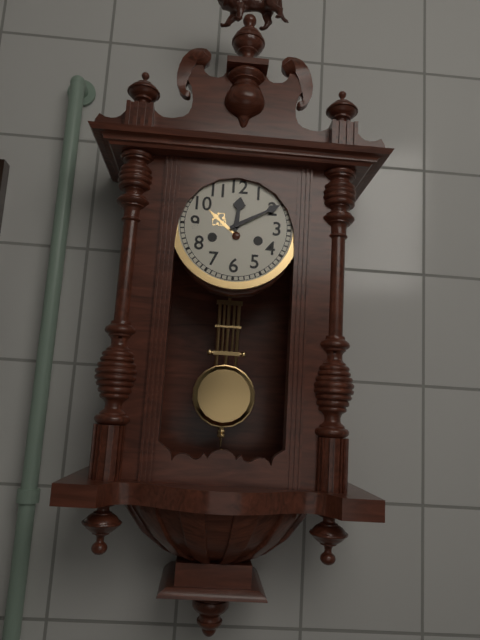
{"hour": 12, "minute": 10}
